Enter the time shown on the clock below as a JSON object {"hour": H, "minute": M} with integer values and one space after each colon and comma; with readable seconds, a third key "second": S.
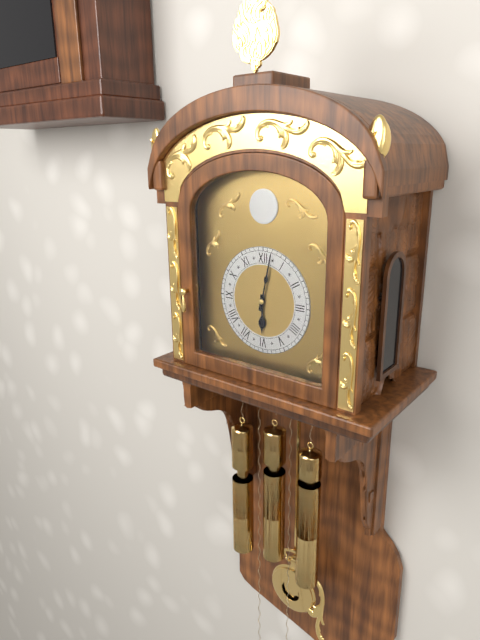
{"hour": 6, "minute": 2}
